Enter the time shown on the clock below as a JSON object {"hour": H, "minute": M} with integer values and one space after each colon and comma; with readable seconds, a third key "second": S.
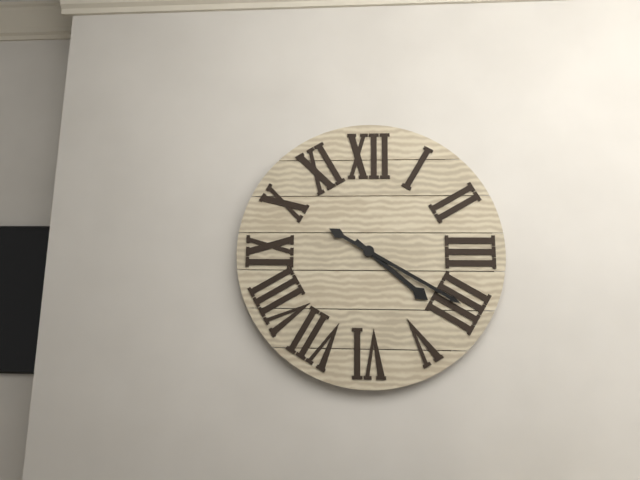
{"hour": 4, "minute": 20}
